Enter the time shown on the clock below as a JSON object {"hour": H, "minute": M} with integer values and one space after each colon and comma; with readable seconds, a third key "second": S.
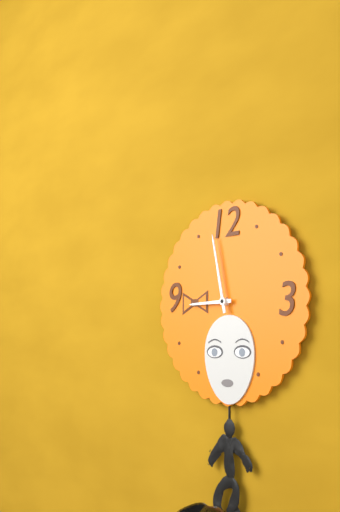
{"hour": 8, "minute": 58}
